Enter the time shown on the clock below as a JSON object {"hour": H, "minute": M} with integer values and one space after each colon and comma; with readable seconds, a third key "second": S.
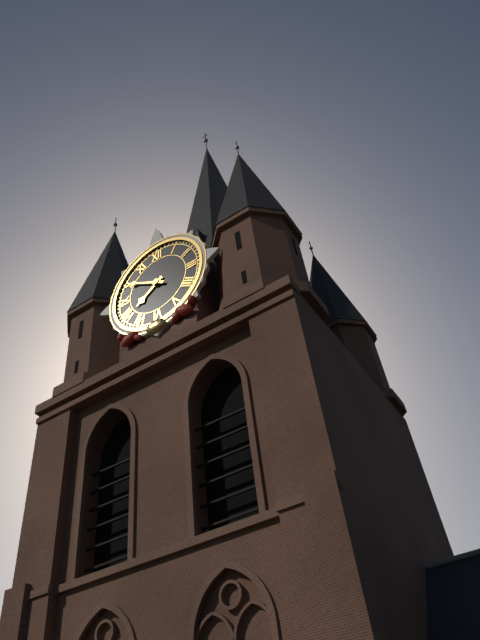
{"hour": 7, "minute": 50}
